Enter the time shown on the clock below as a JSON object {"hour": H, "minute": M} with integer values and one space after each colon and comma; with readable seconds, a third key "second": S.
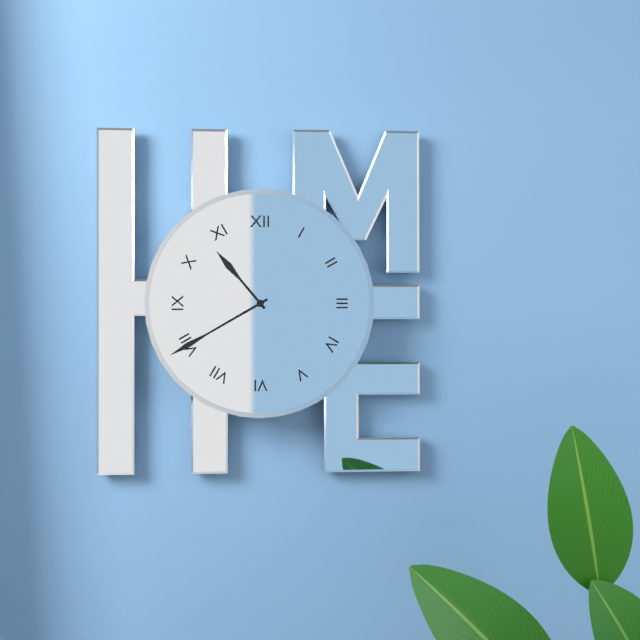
{"hour": 10, "minute": 40}
